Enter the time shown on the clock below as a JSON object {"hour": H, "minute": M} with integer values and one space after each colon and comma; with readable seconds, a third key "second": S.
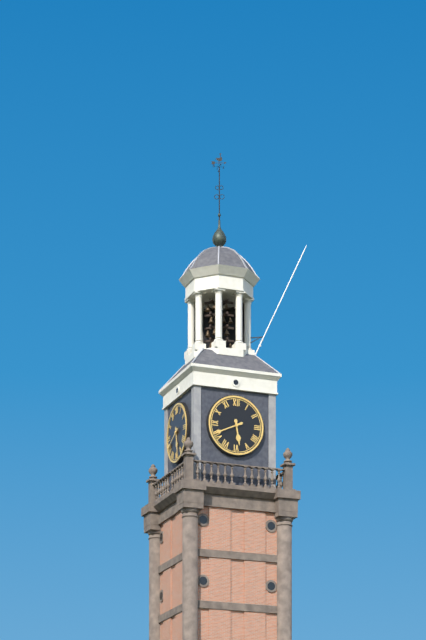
{"hour": 5, "minute": 41}
